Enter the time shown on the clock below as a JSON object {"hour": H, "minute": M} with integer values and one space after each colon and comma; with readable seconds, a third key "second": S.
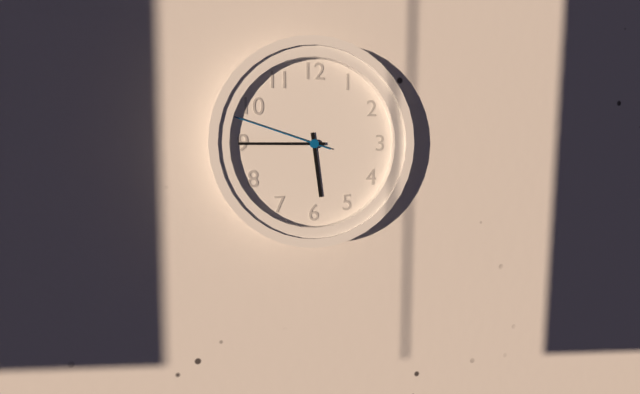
{"hour": 5, "minute": 45, "second": 48}
